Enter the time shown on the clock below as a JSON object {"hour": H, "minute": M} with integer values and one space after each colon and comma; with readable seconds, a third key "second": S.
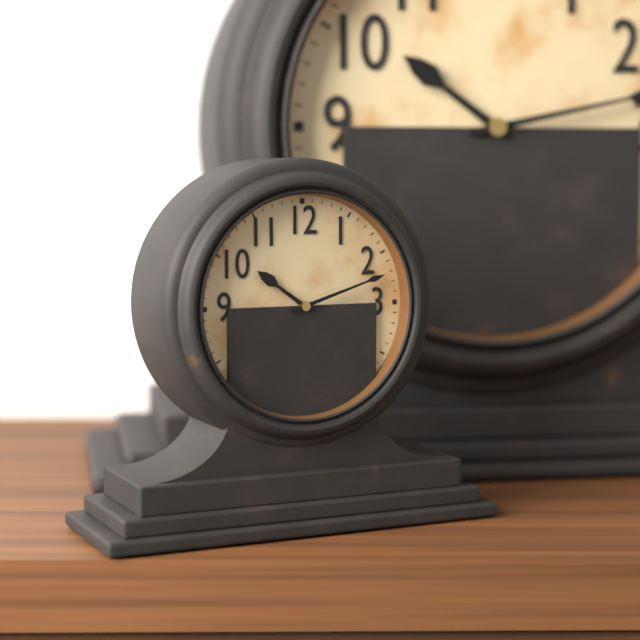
{"hour": 10, "minute": 12}
